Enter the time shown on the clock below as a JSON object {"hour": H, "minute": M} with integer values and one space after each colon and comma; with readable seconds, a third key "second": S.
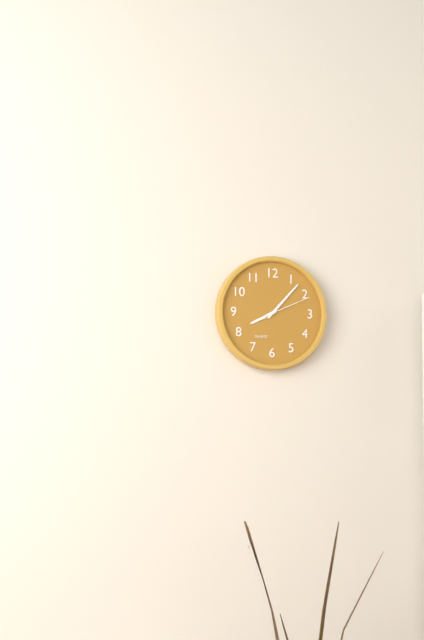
{"hour": 8, "minute": 7}
